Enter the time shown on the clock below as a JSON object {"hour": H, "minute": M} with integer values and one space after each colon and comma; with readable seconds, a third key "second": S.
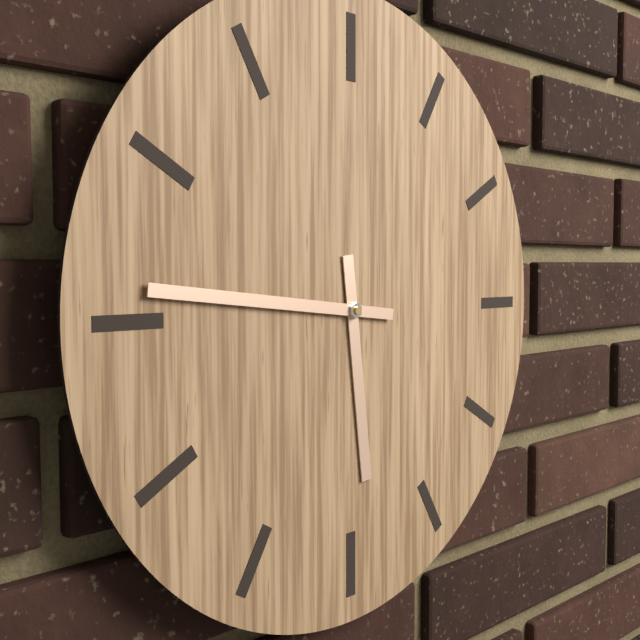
{"hour": 5, "minute": 46}
